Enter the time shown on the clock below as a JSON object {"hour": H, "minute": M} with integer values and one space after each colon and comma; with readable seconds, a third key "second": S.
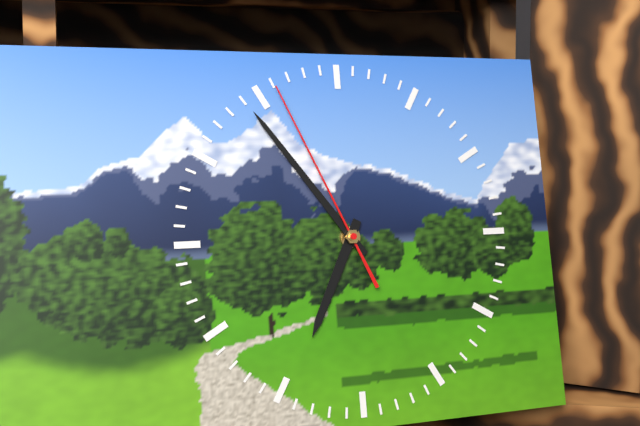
{"hour": 6, "minute": 54, "second": 56}
